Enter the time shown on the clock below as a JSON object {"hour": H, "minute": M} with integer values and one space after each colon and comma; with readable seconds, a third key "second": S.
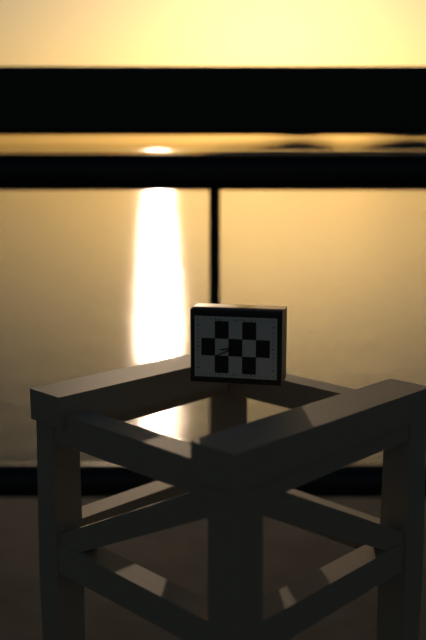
{"hour": 8, "minute": 41}
